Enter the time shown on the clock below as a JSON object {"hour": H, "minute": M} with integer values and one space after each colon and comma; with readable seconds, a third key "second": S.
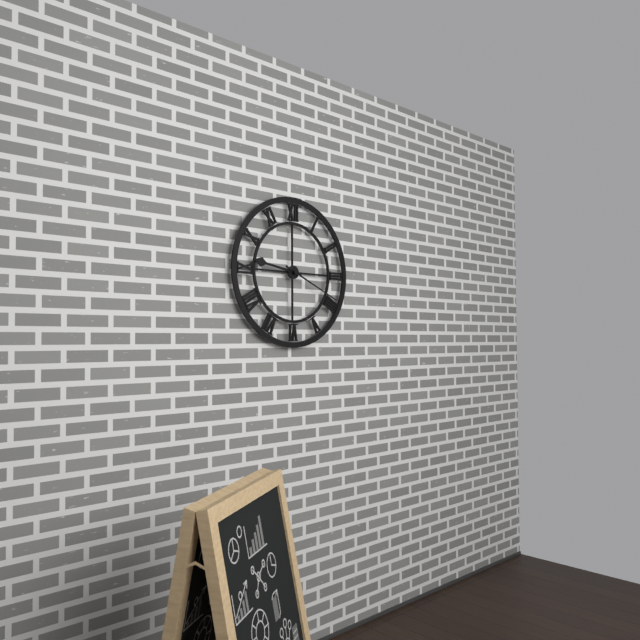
{"hour": 9, "minute": 19}
